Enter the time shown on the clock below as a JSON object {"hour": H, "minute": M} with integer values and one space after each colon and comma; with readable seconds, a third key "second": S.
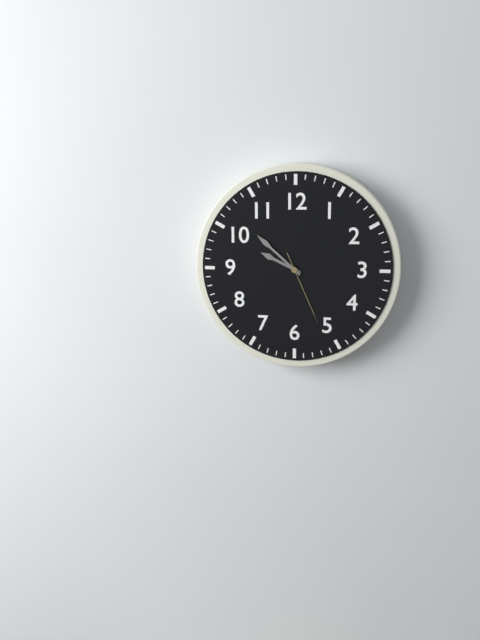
{"hour": 9, "minute": 52, "second": 26}
